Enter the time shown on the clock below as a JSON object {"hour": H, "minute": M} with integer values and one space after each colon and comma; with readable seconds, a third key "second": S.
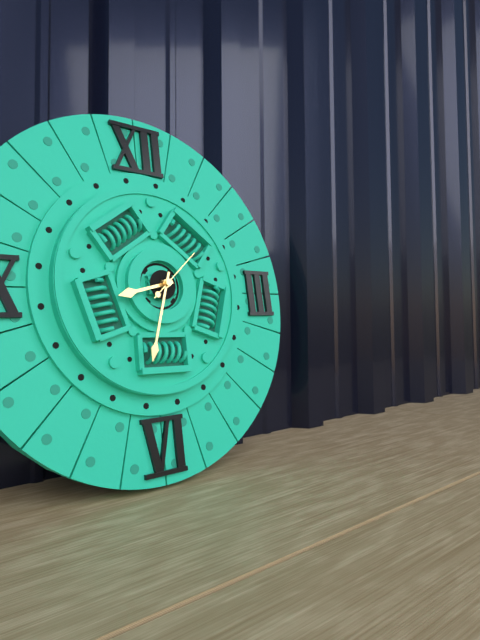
{"hour": 8, "minute": 33, "second": 8}
